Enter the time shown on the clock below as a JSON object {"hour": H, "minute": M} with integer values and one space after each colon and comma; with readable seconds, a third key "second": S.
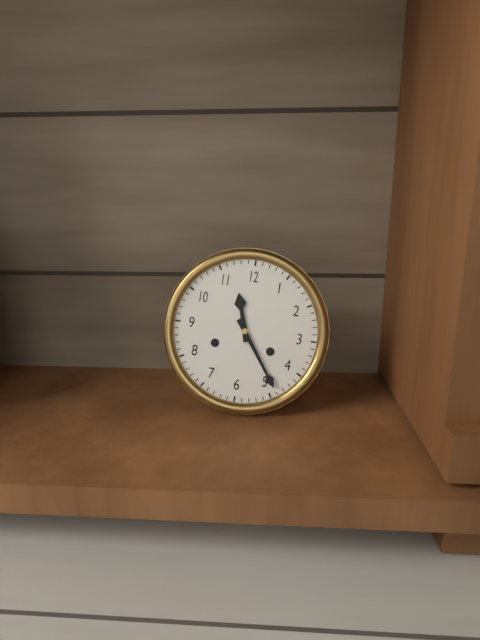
{"hour": 11, "minute": 24}
